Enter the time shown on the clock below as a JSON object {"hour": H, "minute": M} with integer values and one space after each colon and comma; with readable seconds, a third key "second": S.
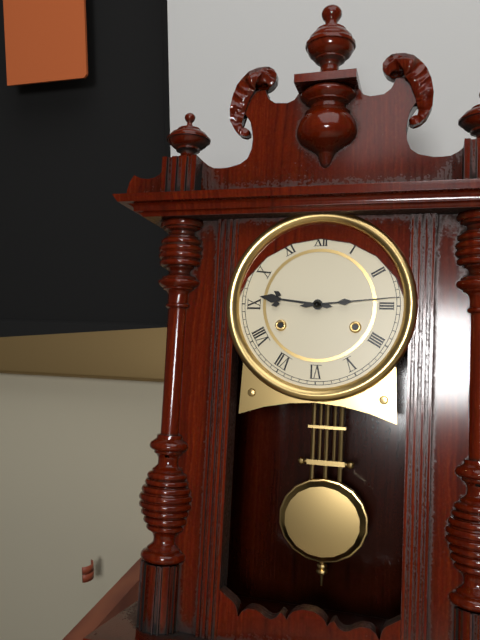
{"hour": 9, "minute": 14}
